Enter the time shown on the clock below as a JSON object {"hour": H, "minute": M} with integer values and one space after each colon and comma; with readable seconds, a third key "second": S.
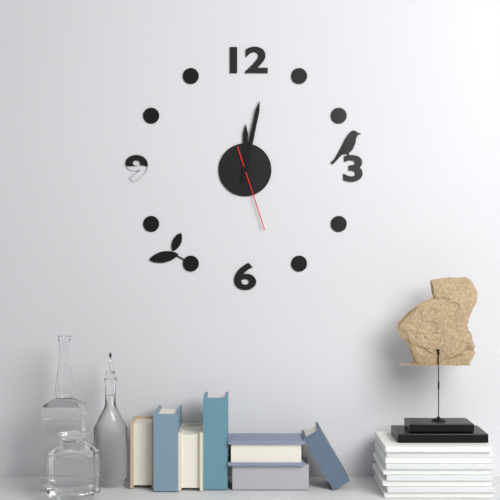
{"hour": 12, "minute": 2, "second": 27}
